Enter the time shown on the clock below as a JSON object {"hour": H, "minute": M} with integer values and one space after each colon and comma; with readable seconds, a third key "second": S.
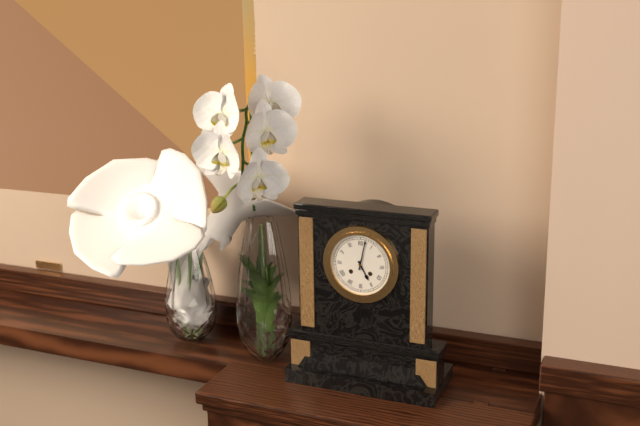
{"hour": 5, "minute": 2}
